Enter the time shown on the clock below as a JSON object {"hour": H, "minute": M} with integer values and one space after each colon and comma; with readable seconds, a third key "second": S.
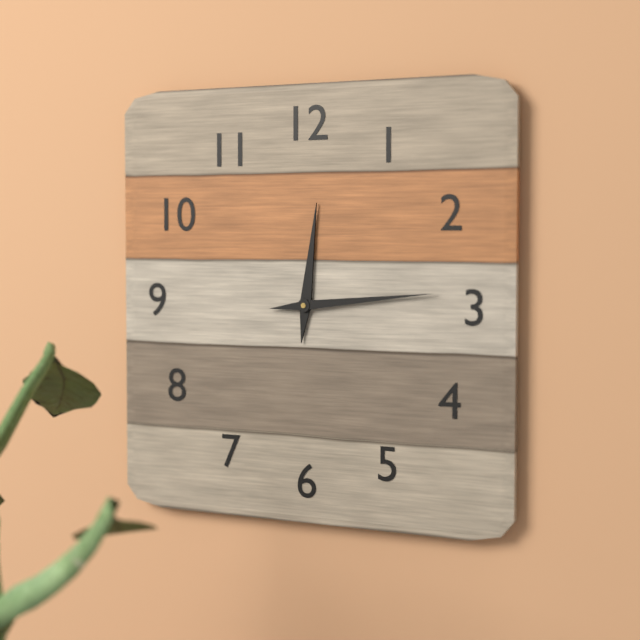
{"hour": 12, "minute": 14}
